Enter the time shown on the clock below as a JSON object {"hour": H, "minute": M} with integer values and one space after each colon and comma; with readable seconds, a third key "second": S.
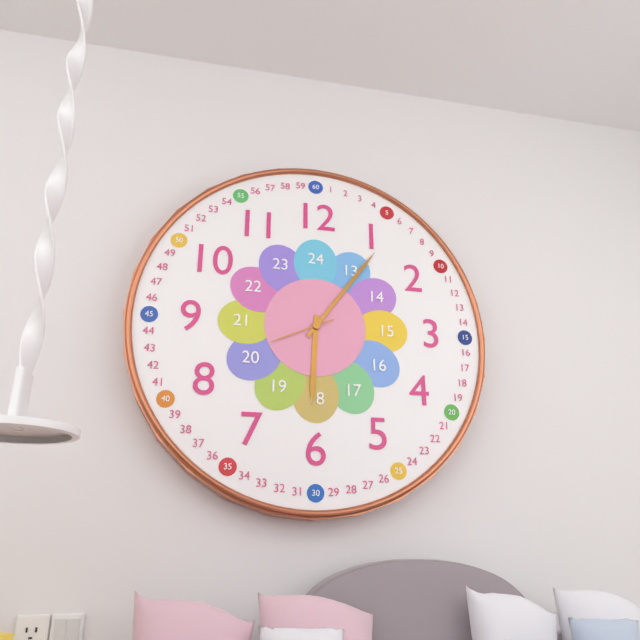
{"hour": 6, "minute": 6, "second": 41}
